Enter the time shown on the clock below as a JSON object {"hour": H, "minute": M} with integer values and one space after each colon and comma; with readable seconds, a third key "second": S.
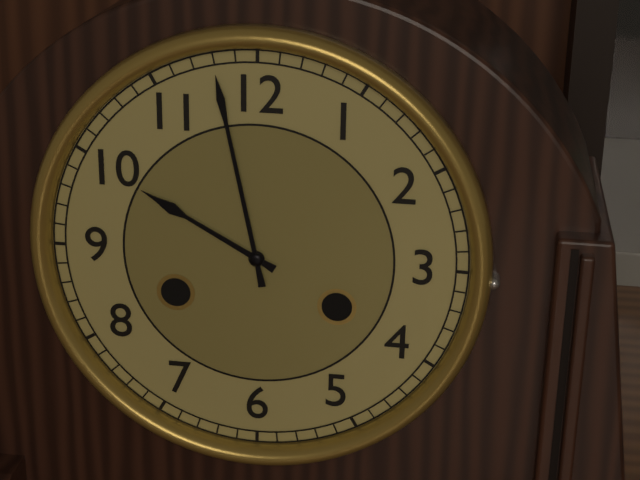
{"hour": 9, "minute": 58}
